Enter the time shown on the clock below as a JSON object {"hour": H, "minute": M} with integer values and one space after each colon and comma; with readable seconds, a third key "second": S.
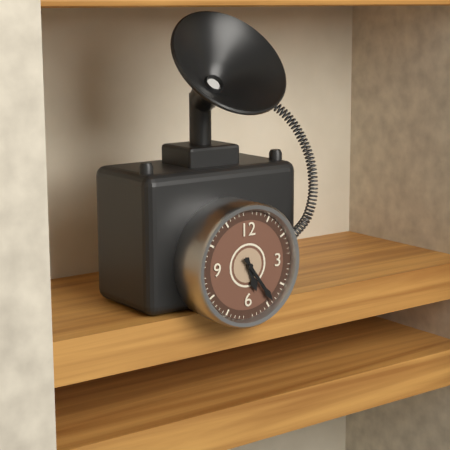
{"hour": 5, "minute": 24}
